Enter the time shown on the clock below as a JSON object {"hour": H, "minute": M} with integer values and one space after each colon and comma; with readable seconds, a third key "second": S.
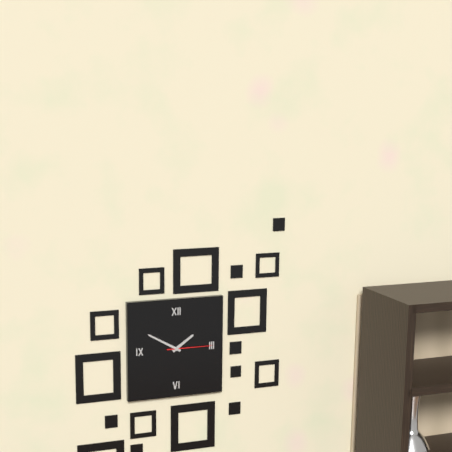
{"hour": 1, "minute": 50}
